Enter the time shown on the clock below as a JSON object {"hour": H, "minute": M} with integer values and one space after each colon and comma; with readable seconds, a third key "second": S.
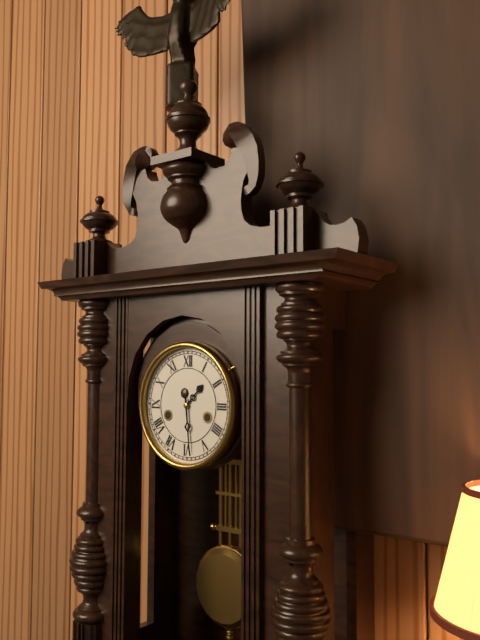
{"hour": 1, "minute": 29}
